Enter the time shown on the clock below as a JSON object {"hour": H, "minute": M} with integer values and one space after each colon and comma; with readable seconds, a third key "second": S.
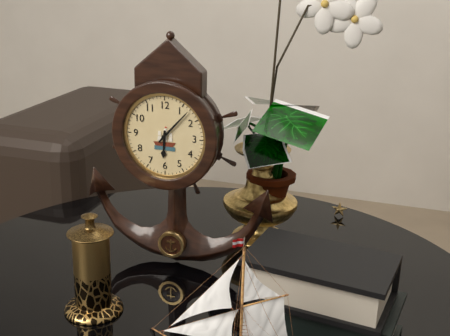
{"hour": 6, "minute": 7}
